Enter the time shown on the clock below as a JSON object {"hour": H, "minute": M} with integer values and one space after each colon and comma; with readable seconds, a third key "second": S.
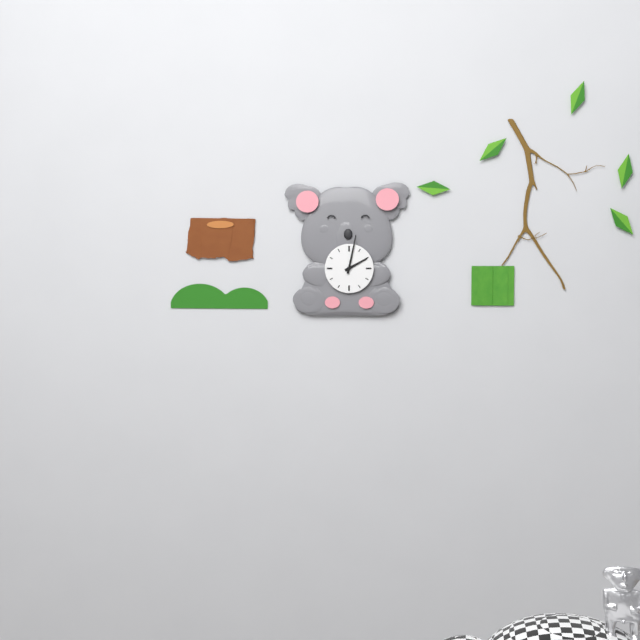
{"hour": 2, "minute": 2}
